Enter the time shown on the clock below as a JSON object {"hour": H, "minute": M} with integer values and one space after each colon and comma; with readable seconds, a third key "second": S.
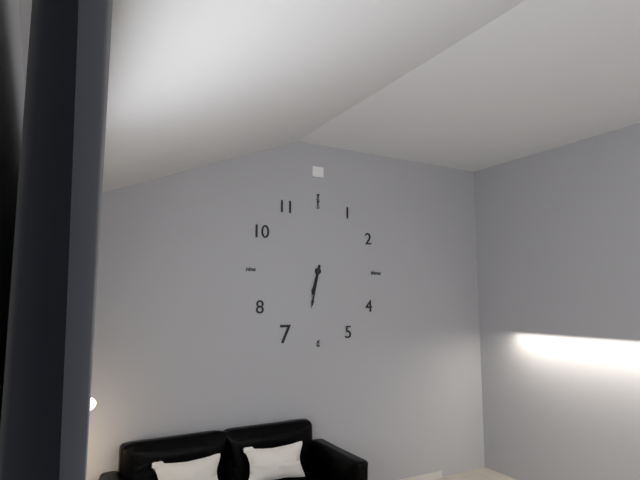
{"hour": 6, "minute": 32}
